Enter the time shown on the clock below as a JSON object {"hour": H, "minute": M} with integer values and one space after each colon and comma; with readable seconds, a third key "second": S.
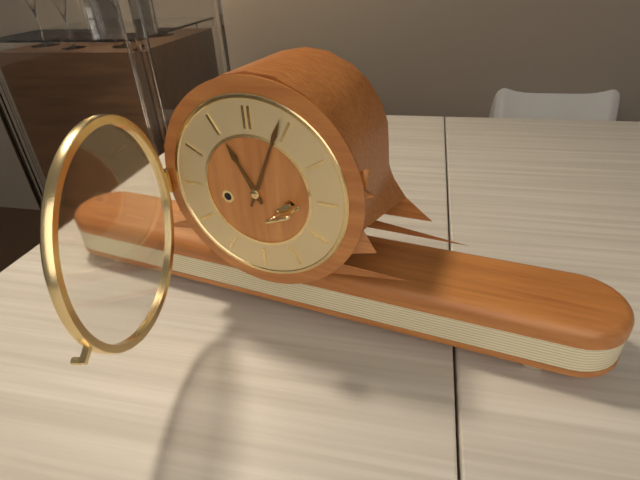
{"hour": 11, "minute": 4}
